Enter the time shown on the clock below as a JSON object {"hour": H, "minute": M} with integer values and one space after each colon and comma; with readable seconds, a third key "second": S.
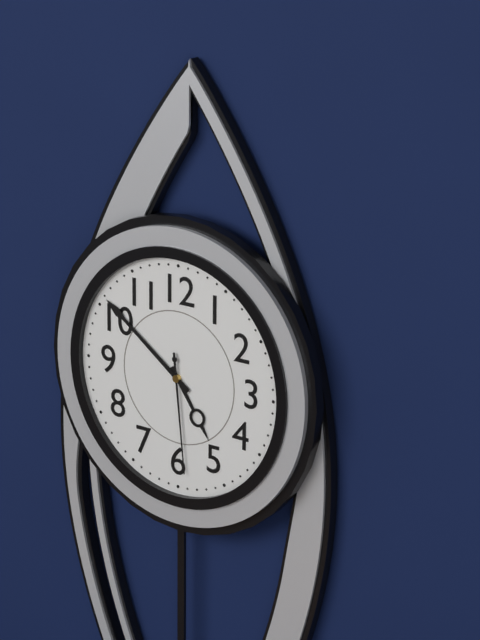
{"hour": 4, "minute": 51, "second": 29}
